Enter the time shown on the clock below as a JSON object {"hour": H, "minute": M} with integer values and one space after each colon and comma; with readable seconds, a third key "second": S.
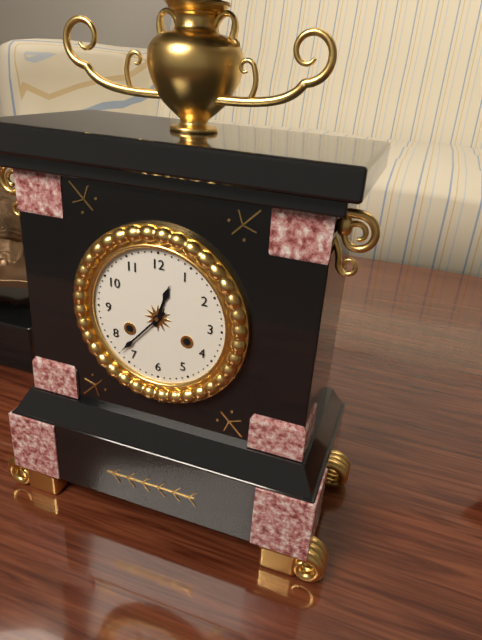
{"hour": 12, "minute": 37}
